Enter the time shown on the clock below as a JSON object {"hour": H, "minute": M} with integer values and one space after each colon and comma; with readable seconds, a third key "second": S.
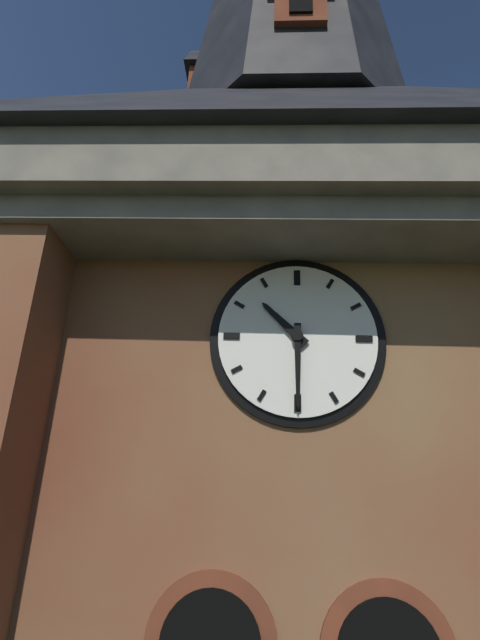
{"hour": 10, "minute": 30}
